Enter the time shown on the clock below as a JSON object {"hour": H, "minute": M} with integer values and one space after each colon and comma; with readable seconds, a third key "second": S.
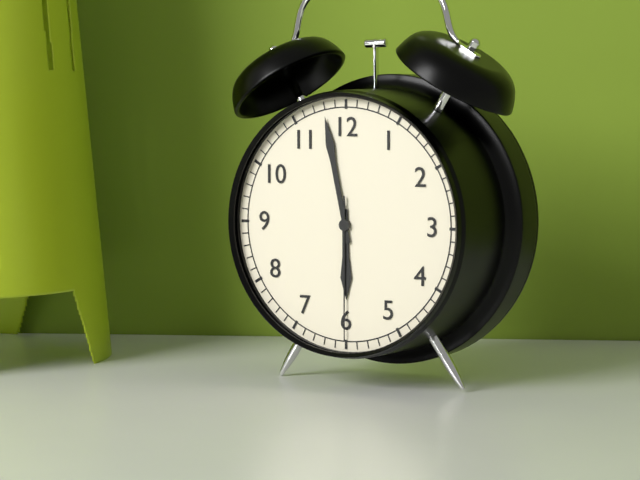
{"hour": 5, "minute": 58, "second": 30}
